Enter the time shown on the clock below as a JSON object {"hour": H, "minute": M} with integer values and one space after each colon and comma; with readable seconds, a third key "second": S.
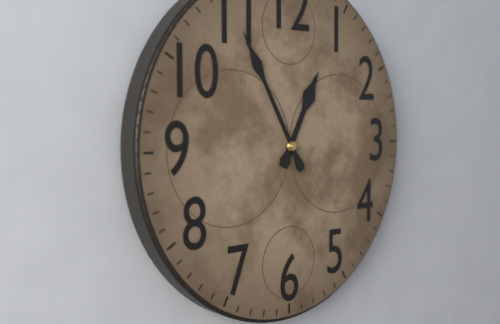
{"hour": 12, "minute": 55}
